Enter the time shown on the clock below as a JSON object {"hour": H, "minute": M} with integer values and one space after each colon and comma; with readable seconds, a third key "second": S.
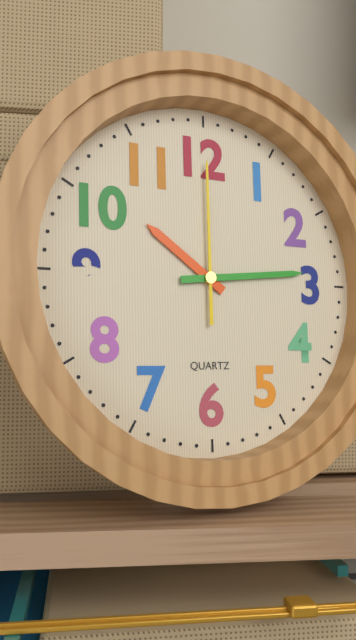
{"hour": 10, "minute": 14, "second": 0}
